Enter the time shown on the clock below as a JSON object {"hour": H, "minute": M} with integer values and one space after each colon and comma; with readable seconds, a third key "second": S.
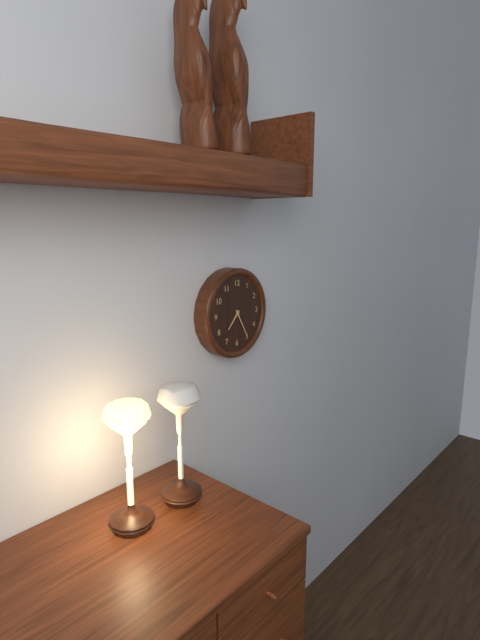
{"hour": 7, "minute": 25}
